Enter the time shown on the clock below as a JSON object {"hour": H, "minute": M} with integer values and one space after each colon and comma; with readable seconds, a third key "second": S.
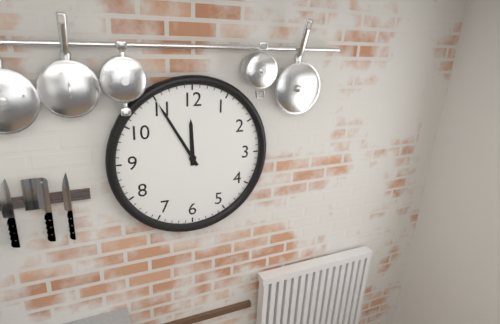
{"hour": 11, "minute": 55}
